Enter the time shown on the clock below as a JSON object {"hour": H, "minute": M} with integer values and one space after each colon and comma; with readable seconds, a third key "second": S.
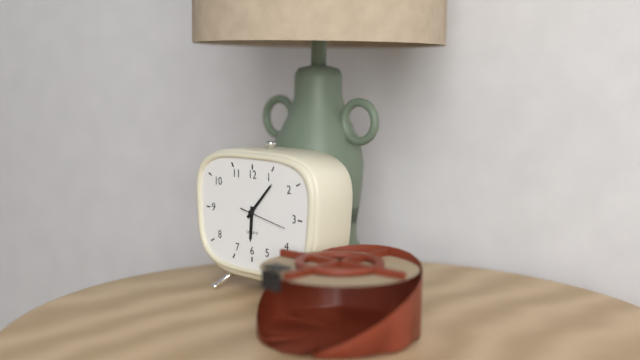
{"hour": 6, "minute": 7}
